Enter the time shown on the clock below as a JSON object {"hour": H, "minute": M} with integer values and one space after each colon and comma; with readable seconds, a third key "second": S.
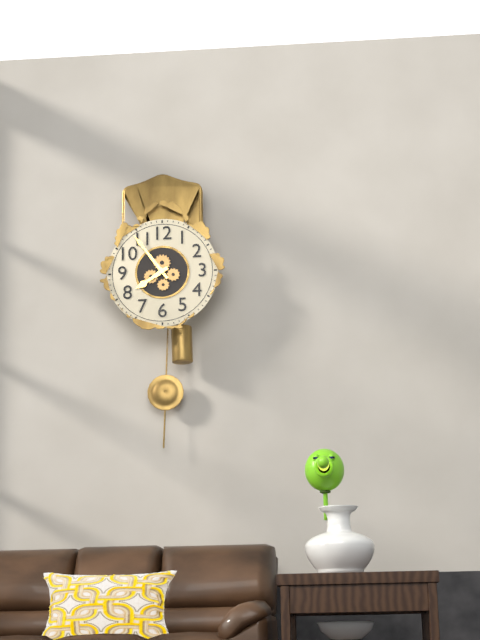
{"hour": 7, "minute": 54}
